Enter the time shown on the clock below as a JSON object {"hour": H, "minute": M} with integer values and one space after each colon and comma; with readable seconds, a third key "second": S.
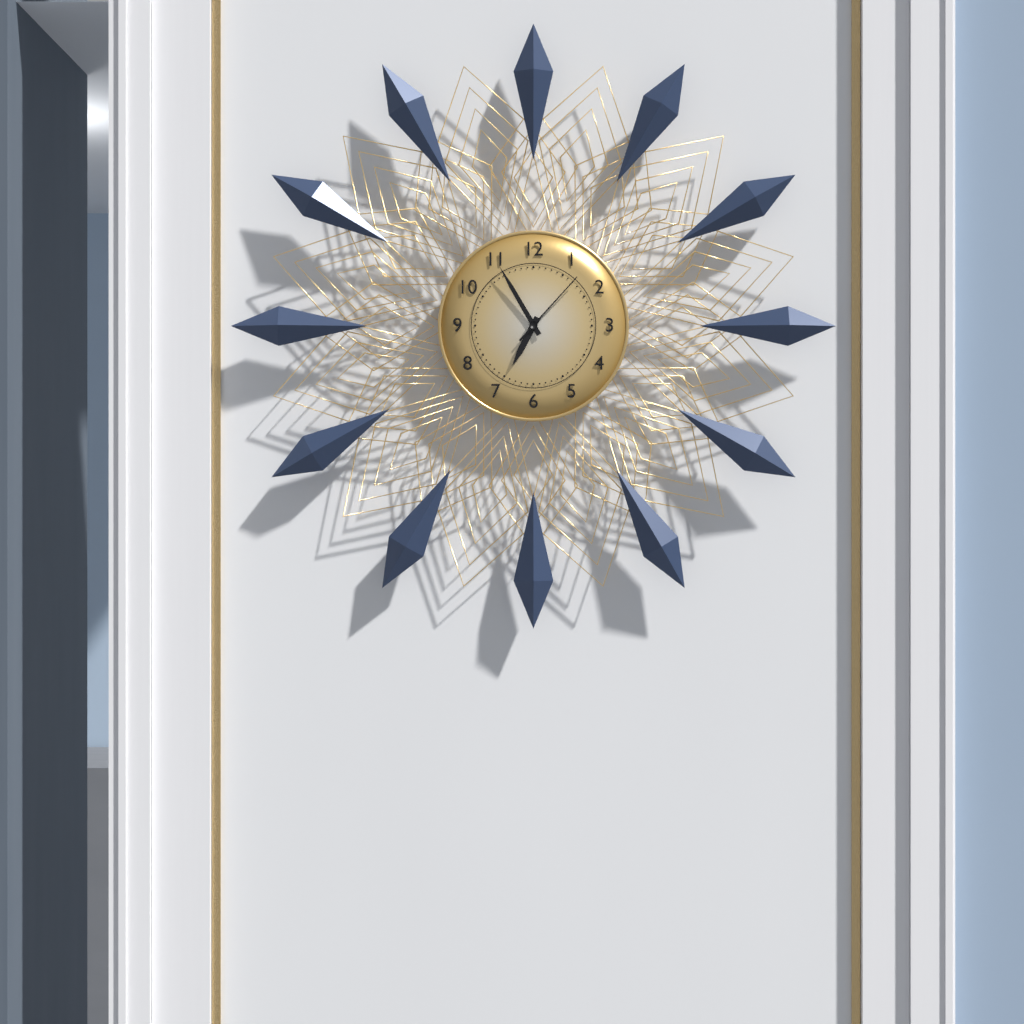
{"hour": 6, "minute": 55, "second": 7}
